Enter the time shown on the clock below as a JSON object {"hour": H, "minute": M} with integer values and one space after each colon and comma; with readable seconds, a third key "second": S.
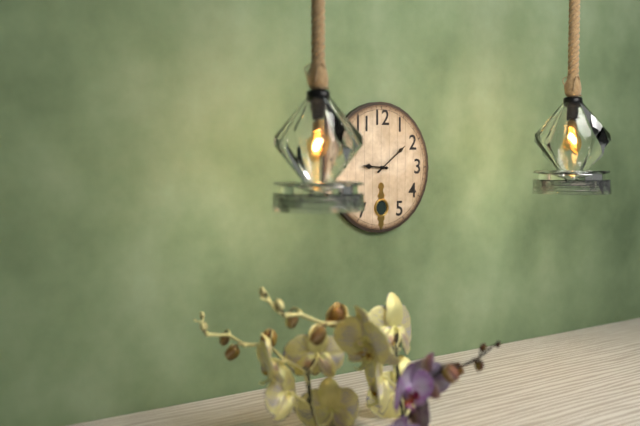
{"hour": 9, "minute": 9}
